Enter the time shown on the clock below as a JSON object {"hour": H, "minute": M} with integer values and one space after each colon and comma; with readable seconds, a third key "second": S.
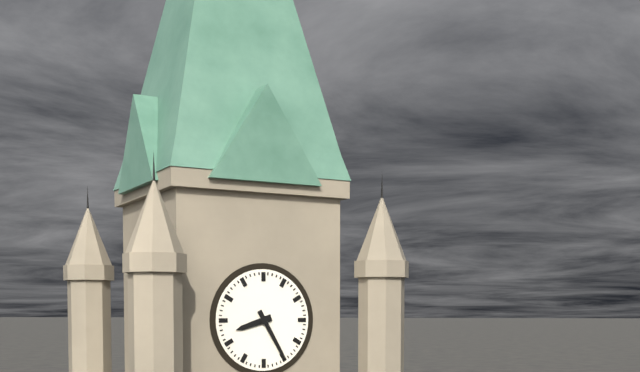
{"hour": 8, "minute": 25}
